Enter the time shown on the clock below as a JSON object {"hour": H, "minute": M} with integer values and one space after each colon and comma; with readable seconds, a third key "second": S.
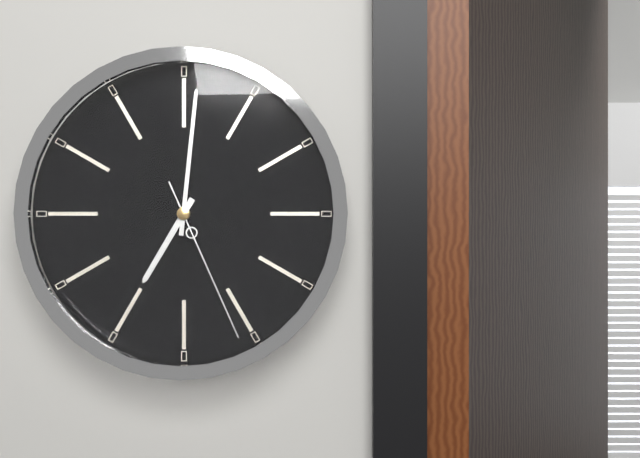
{"hour": 7, "minute": 1, "second": 26}
